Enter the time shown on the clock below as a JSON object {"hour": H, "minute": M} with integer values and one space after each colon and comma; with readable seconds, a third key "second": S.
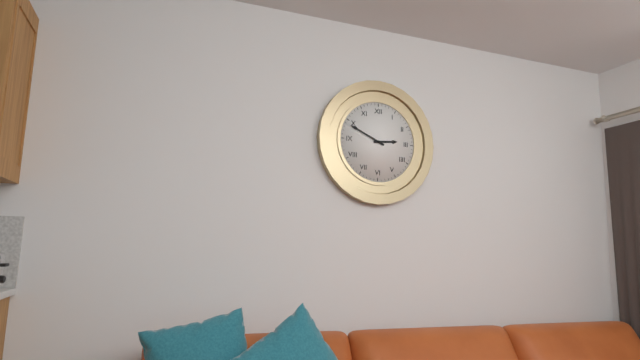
{"hour": 2, "minute": 49}
